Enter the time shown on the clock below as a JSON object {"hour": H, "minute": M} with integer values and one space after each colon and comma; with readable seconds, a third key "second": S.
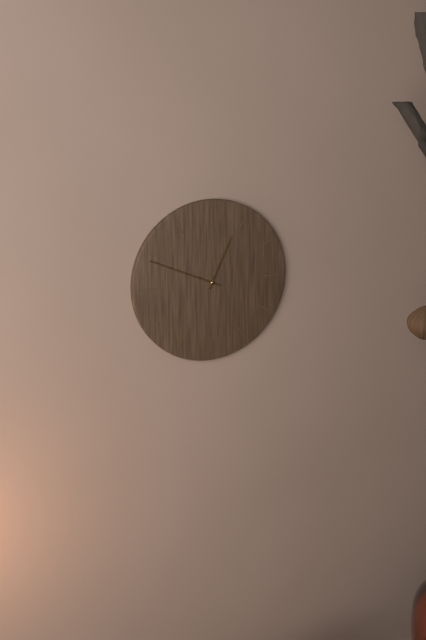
{"hour": 12, "minute": 49}
